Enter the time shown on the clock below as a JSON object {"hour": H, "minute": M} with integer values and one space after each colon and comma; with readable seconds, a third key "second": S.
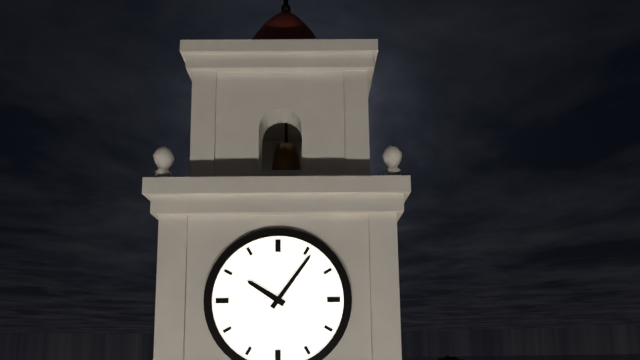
{"hour": 10, "minute": 6}
